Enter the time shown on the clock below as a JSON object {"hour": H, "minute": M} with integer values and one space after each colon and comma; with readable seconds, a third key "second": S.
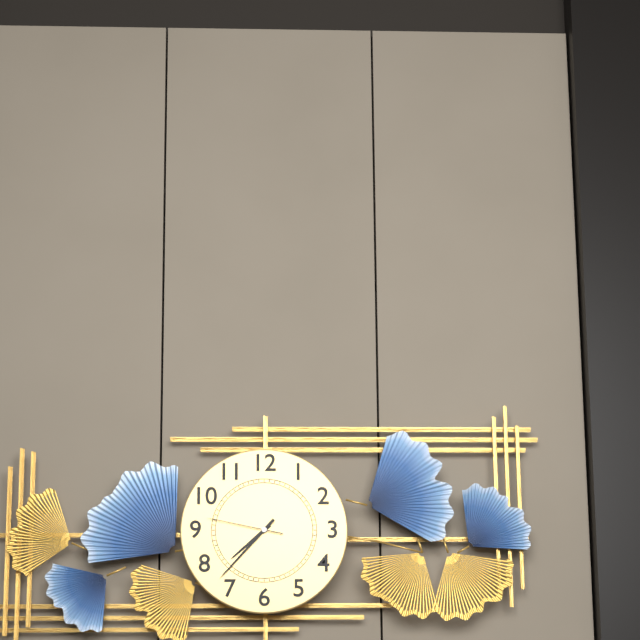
{"hour": 7, "minute": 37, "second": 47}
